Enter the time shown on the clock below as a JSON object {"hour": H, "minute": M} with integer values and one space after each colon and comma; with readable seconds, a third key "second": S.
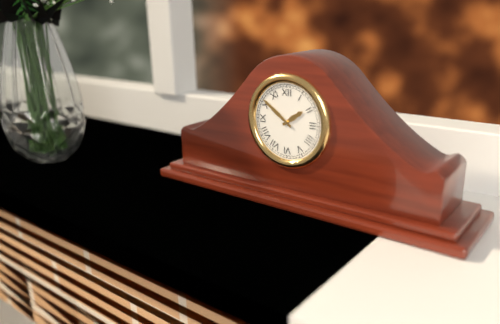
{"hour": 1, "minute": 51}
